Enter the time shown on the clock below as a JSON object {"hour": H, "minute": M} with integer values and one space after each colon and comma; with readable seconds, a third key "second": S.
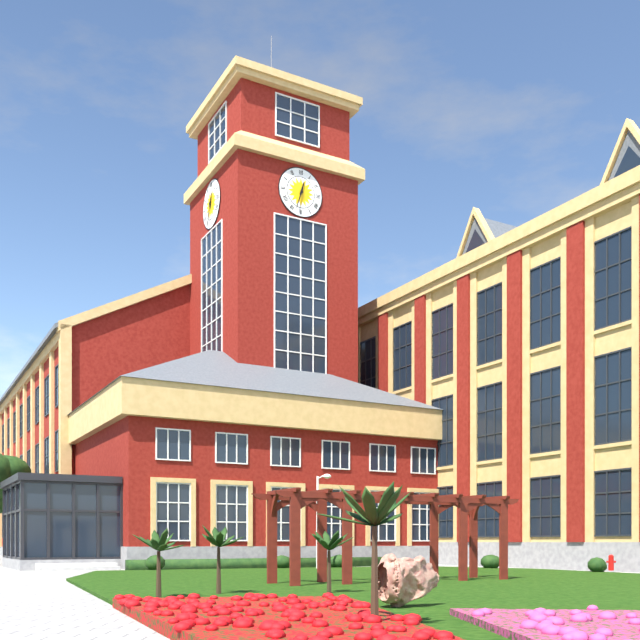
{"hour": 12, "minute": 33}
